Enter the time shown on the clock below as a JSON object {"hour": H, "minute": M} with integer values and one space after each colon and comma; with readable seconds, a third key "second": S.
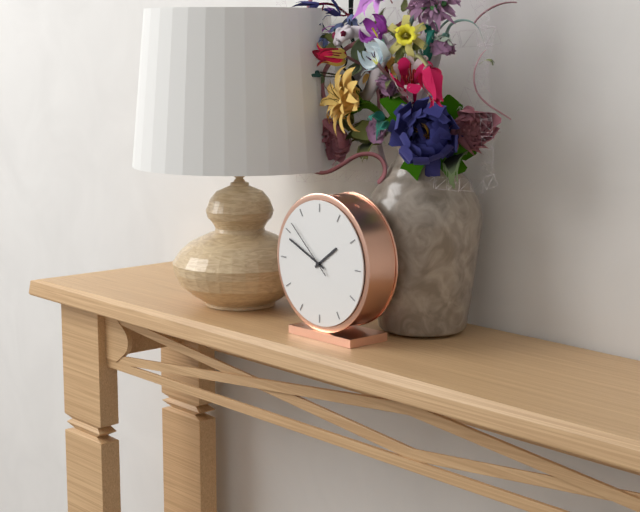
{"hour": 1, "minute": 49, "second": 52}
